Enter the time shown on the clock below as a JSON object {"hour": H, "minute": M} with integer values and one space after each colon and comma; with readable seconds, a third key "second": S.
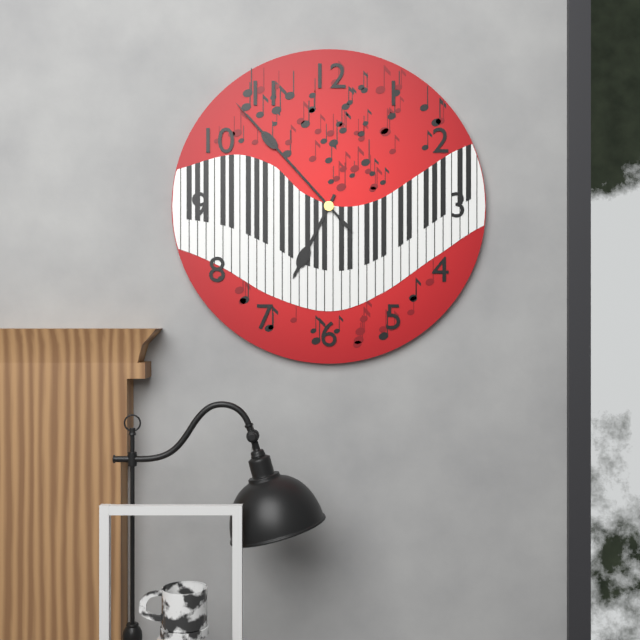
{"hour": 6, "minute": 53, "second": 53}
